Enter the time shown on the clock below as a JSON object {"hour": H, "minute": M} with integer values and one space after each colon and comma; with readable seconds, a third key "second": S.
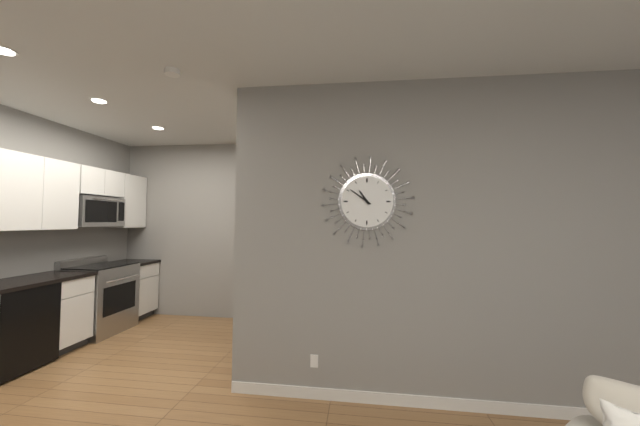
{"hour": 10, "minute": 51}
